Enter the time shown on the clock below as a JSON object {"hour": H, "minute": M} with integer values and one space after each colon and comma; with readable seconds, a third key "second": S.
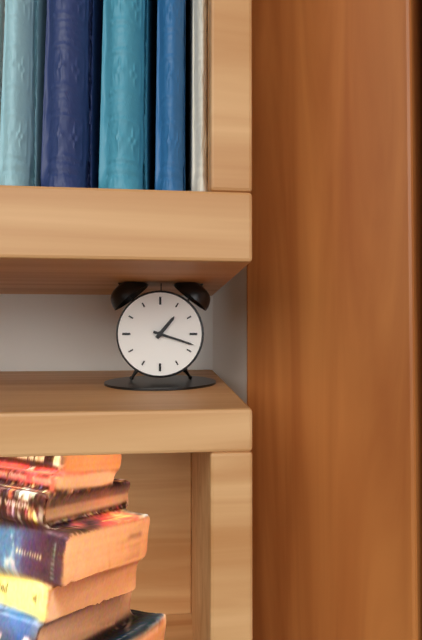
{"hour": 1, "minute": 18}
